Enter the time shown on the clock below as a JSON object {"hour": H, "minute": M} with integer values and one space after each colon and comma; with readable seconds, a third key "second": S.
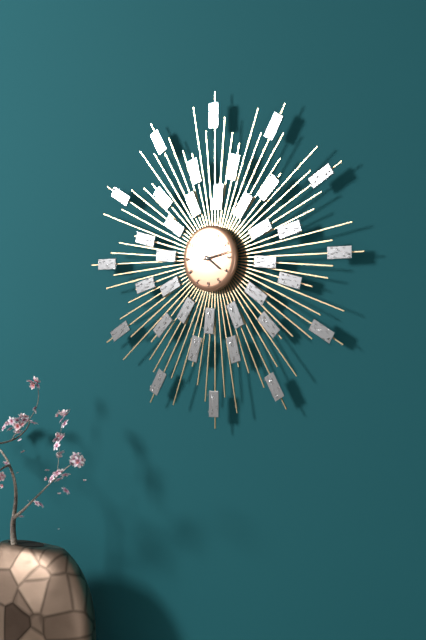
{"hour": 4, "minute": 13}
